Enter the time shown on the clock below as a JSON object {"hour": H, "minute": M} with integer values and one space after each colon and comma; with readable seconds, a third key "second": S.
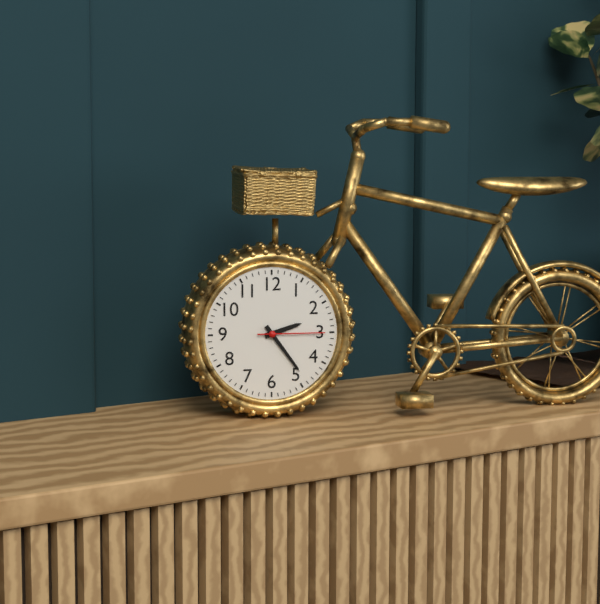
{"hour": 2, "minute": 24, "second": 15}
